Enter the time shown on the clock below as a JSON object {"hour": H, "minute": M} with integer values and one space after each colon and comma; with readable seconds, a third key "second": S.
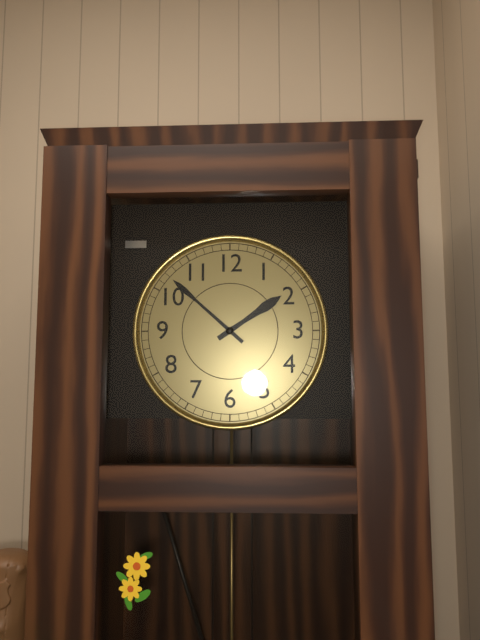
{"hour": 1, "minute": 52}
